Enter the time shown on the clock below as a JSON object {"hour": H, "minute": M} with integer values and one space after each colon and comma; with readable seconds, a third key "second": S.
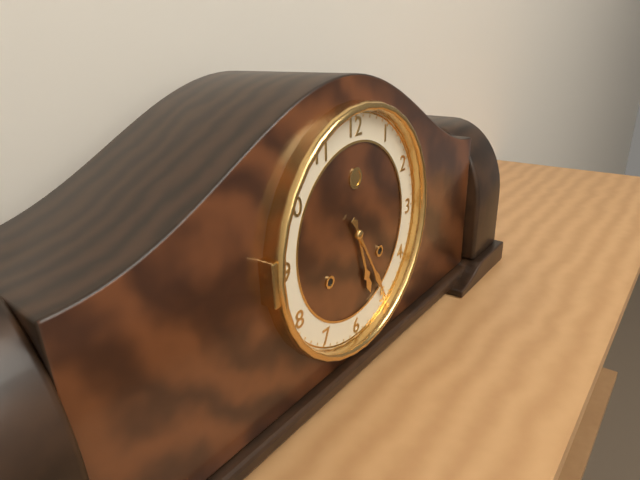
{"hour": 5, "minute": 25}
